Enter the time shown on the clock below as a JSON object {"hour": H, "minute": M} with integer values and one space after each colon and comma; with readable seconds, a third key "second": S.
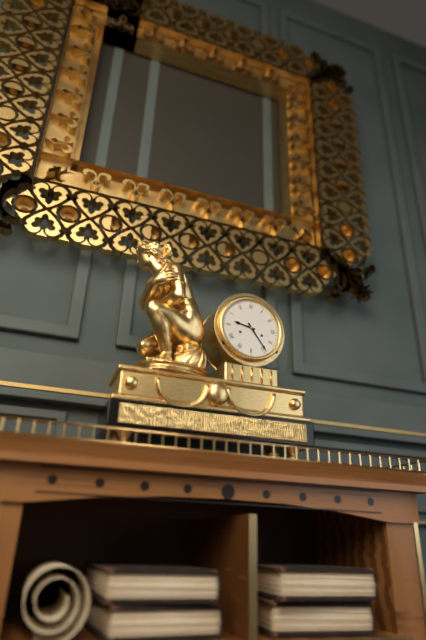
{"hour": 9, "minute": 24}
